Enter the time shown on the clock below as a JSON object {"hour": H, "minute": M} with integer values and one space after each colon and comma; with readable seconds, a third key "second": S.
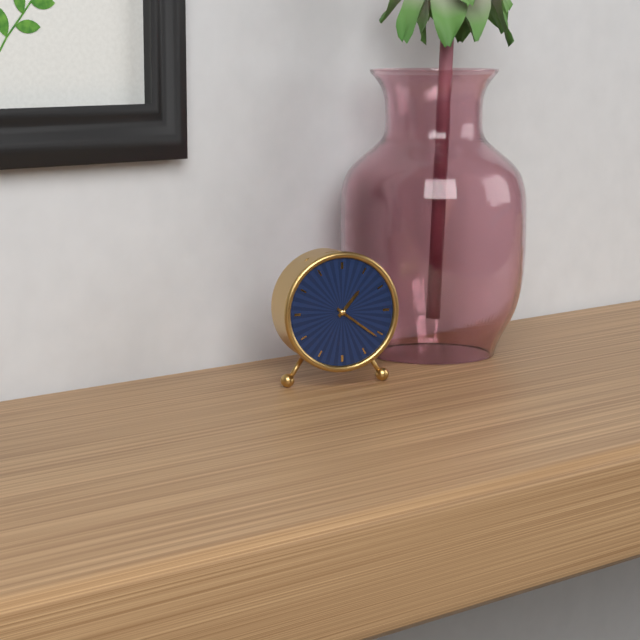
{"hour": 1, "minute": 21}
